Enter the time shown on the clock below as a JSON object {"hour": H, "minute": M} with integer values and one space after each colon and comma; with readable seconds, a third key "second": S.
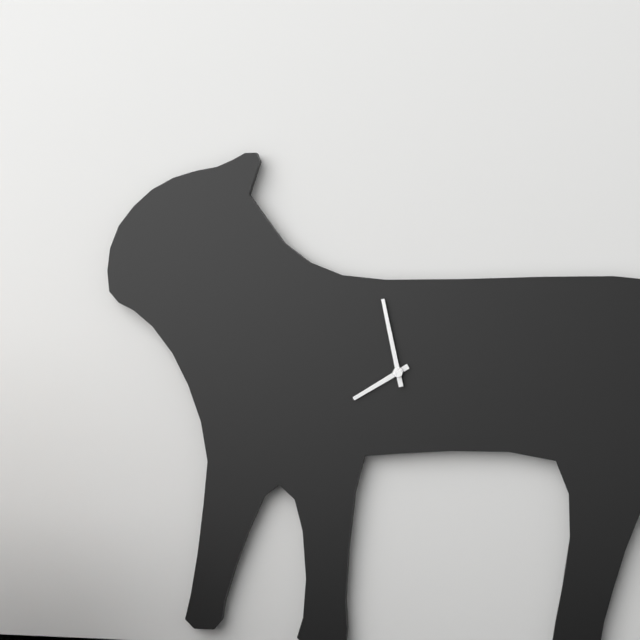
{"hour": 7, "minute": 58}
